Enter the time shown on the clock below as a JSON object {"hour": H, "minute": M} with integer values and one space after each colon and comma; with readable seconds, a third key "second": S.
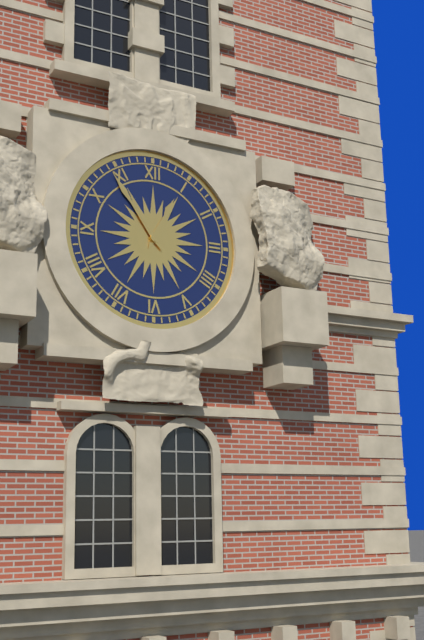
{"hour": 12, "minute": 54}
